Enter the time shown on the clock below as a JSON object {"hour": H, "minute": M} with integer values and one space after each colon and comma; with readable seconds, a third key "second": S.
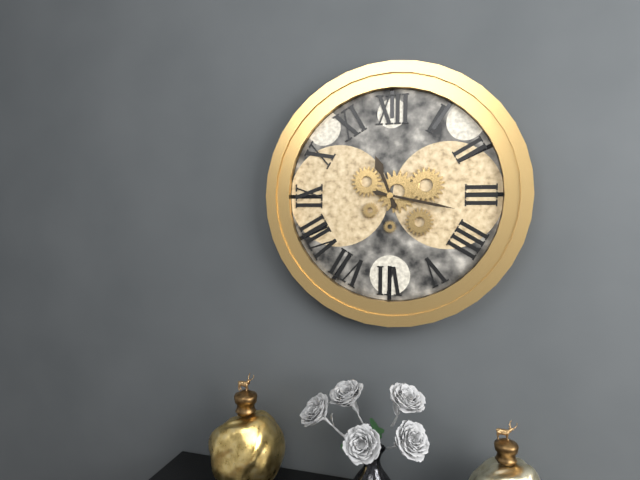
{"hour": 11, "minute": 17}
